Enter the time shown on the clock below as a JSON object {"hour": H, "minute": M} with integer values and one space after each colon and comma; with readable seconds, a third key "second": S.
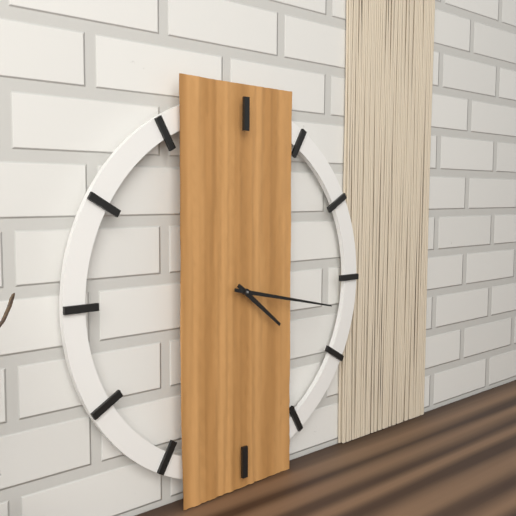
{"hour": 4, "minute": 17}
